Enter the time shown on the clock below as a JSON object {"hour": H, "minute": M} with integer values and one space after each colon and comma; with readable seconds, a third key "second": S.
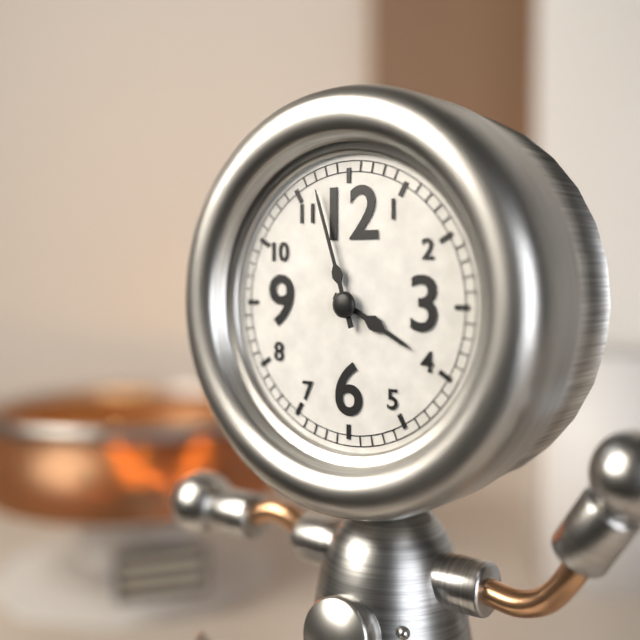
{"hour": 3, "minute": 57}
